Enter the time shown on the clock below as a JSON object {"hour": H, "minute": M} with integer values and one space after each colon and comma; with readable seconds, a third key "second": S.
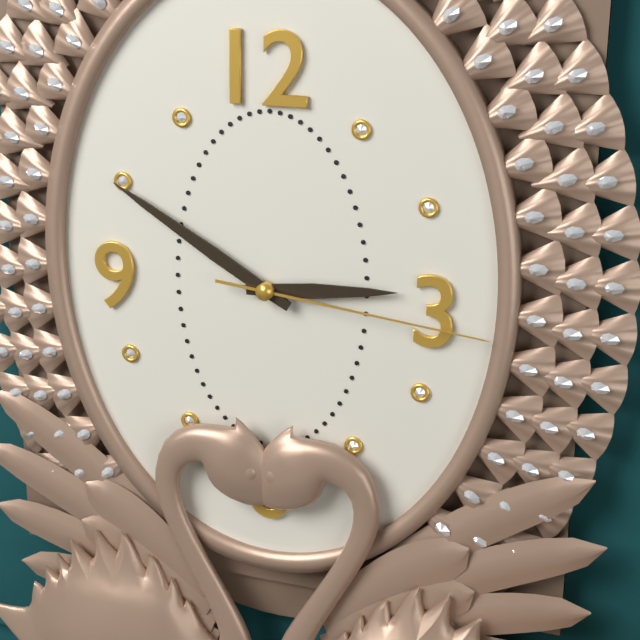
{"hour": 2, "minute": 50, "second": 16}
